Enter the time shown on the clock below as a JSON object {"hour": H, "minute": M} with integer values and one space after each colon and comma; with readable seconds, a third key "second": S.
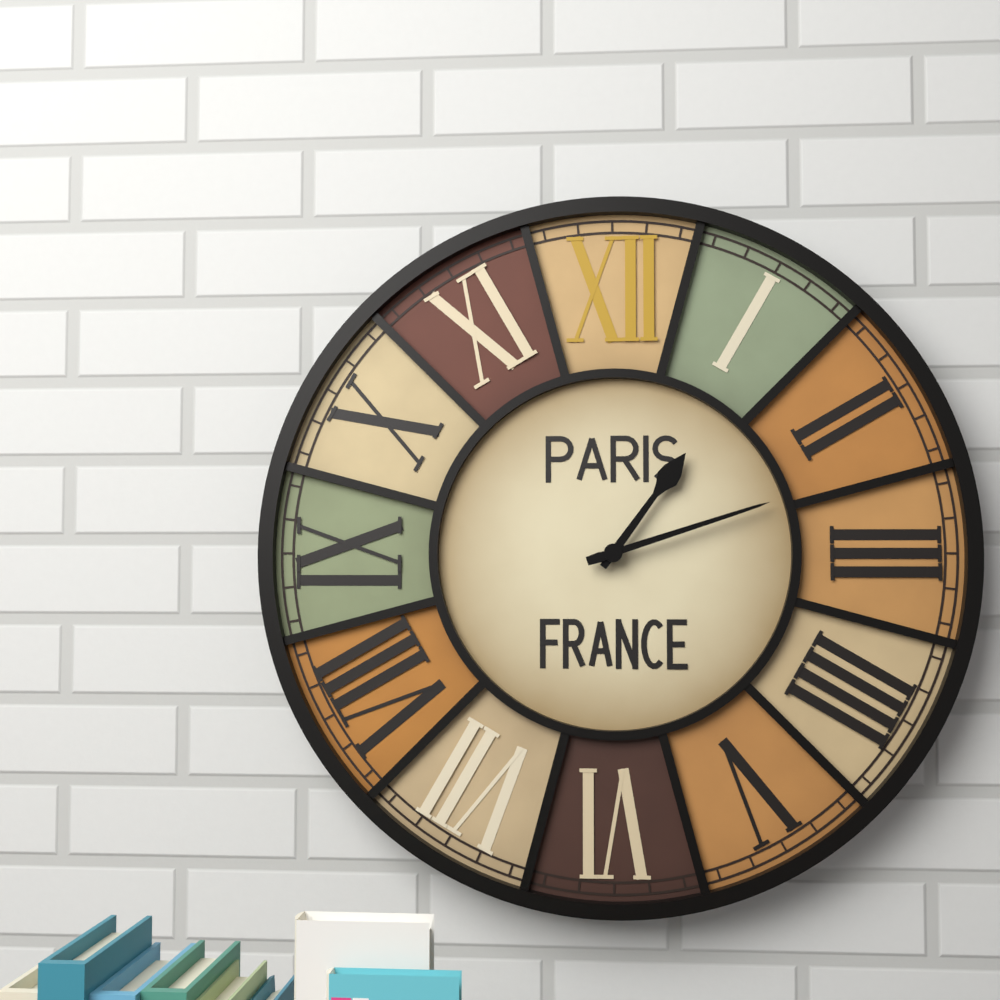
{"hour": 1, "minute": 12}
